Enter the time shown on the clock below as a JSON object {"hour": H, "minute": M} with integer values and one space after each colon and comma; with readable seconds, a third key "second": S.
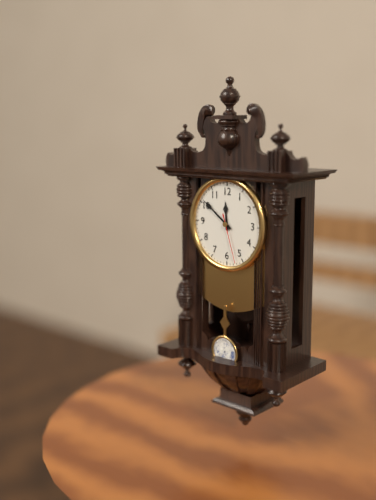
{"hour": 11, "minute": 51, "second": 27}
